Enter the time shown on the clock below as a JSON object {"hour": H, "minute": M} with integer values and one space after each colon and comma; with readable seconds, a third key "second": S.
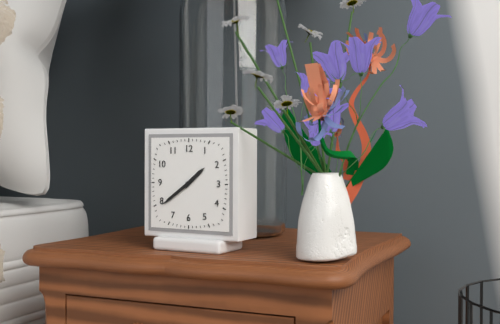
{"hour": 1, "minute": 39}
